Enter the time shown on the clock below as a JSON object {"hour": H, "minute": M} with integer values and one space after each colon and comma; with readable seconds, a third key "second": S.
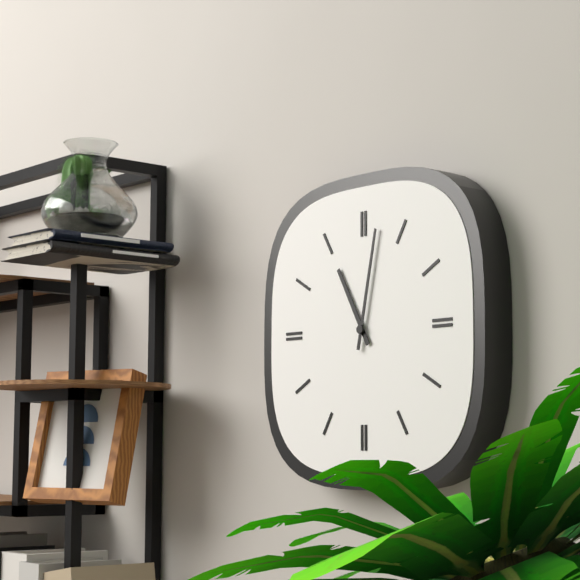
{"hour": 11, "minute": 2}
